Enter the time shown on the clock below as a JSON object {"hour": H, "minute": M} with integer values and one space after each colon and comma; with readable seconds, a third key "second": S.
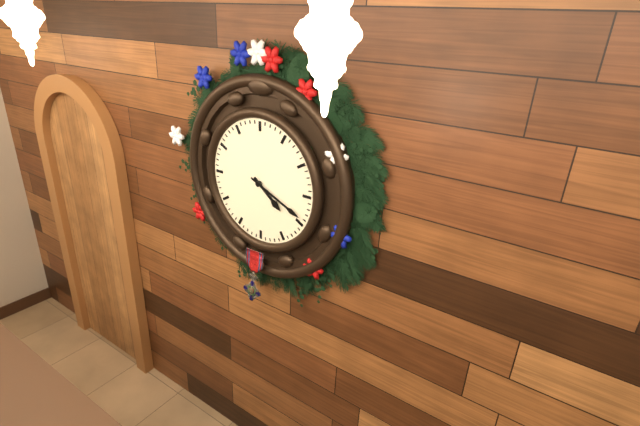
{"hour": 4, "minute": 19}
